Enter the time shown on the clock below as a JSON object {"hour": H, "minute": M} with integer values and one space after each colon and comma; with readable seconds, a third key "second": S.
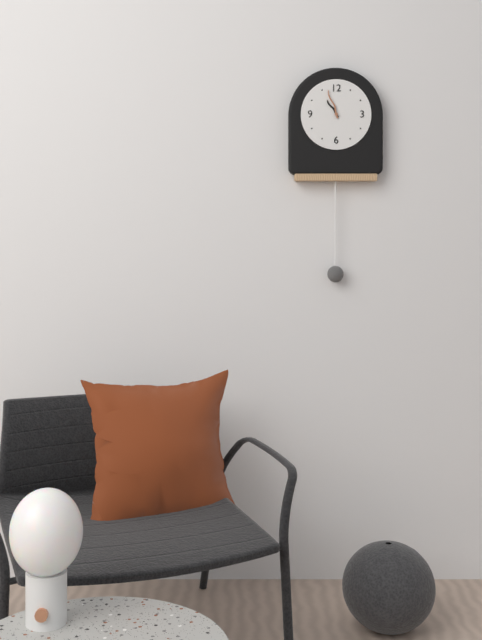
{"hour": 10, "minute": 57}
